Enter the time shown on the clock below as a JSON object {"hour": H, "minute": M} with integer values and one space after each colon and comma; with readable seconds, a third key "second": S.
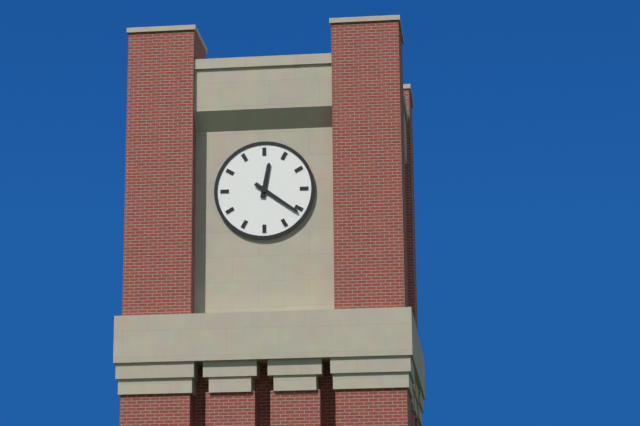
{"hour": 12, "minute": 21}
